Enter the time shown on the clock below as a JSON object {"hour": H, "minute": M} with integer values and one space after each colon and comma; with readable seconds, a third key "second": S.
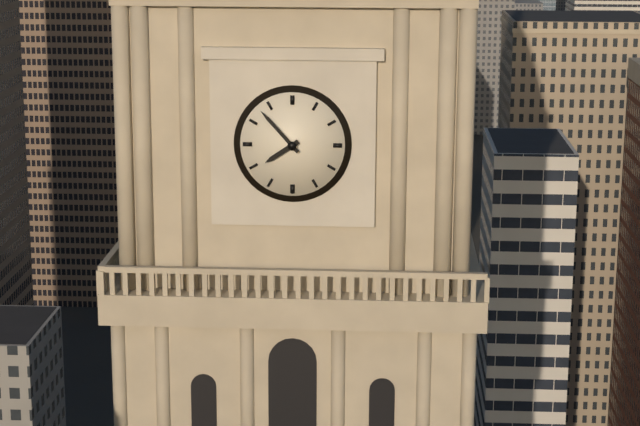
{"hour": 7, "minute": 53}
